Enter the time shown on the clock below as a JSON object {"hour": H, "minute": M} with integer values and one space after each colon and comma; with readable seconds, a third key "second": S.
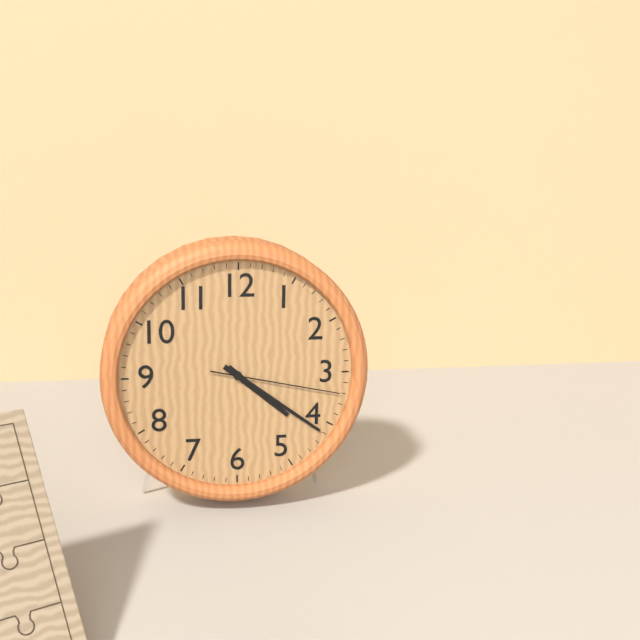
{"hour": 4, "minute": 21, "second": 17}
